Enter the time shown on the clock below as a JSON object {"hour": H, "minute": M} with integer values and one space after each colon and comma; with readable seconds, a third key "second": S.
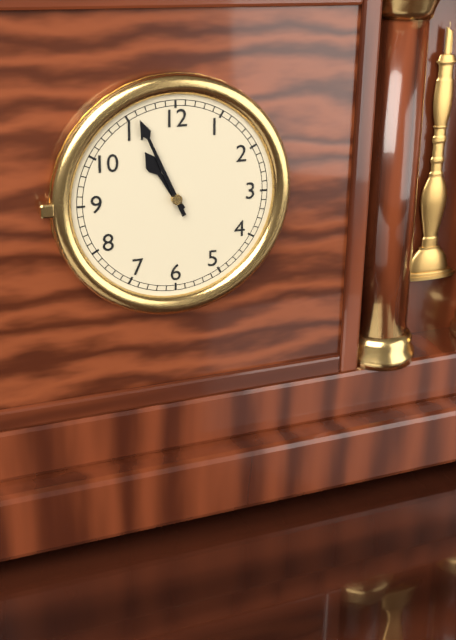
{"hour": 10, "minute": 56}
